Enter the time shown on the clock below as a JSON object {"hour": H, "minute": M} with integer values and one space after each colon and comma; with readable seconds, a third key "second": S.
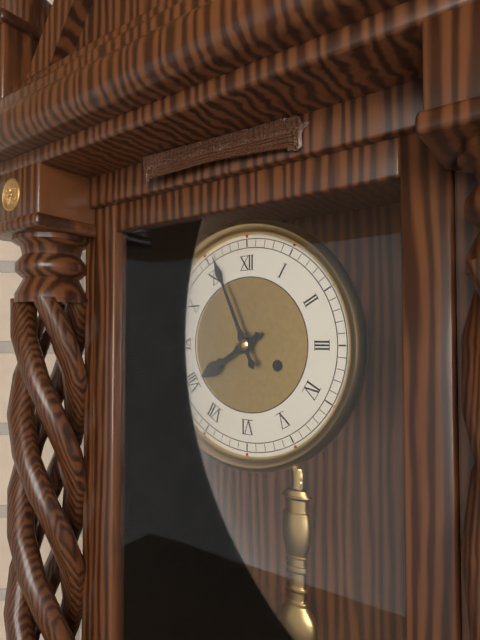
{"hour": 7, "minute": 56}
